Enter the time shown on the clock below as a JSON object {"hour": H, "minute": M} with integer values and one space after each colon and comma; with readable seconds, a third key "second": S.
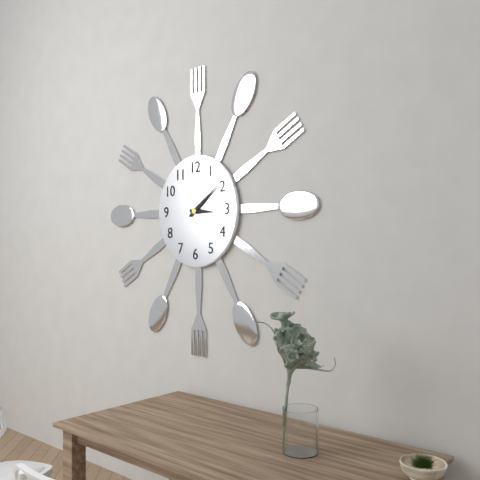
{"hour": 3, "minute": 9}
